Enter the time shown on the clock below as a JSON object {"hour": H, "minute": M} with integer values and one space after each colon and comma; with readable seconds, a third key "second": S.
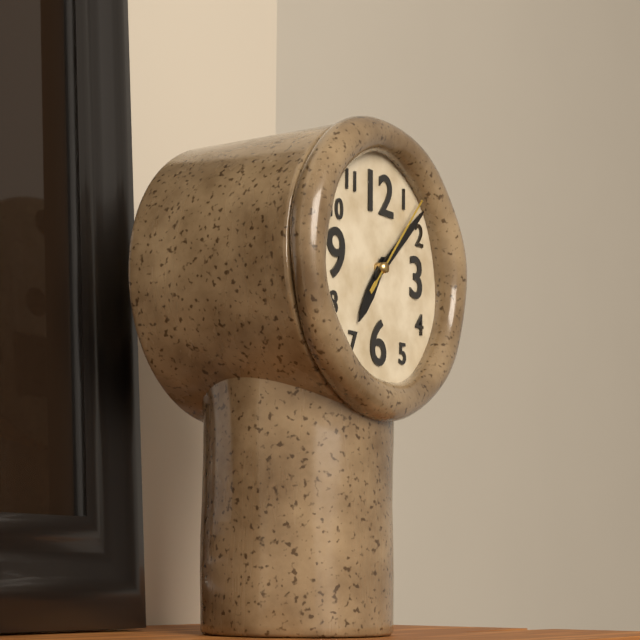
{"hour": 7, "minute": 8, "second": 7}
